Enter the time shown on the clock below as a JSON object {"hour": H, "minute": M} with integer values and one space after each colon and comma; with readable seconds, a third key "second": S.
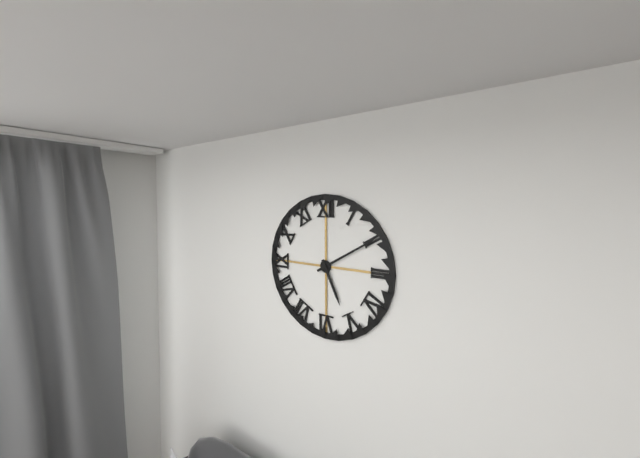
{"hour": 5, "minute": 10}
